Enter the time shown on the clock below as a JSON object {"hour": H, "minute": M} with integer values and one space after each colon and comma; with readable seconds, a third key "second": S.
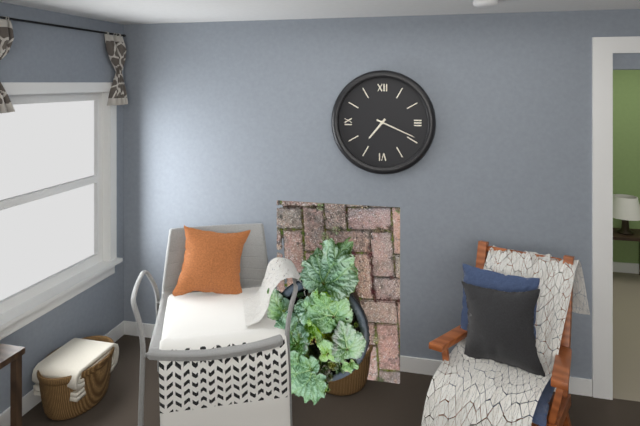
{"hour": 7, "minute": 19}
